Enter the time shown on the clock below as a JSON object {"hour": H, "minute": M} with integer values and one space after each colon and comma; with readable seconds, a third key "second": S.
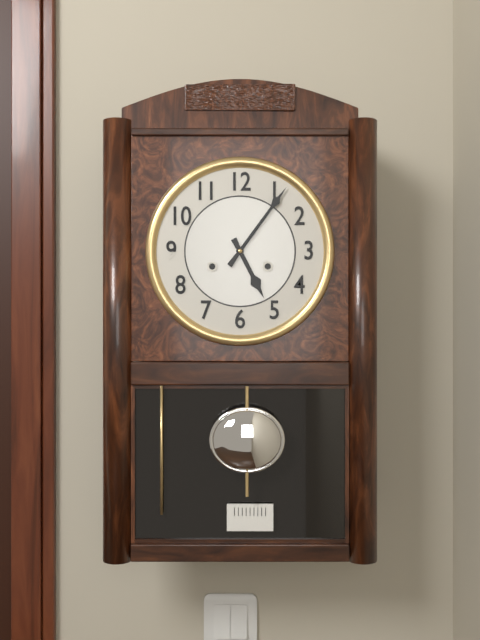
{"hour": 5, "minute": 6}
